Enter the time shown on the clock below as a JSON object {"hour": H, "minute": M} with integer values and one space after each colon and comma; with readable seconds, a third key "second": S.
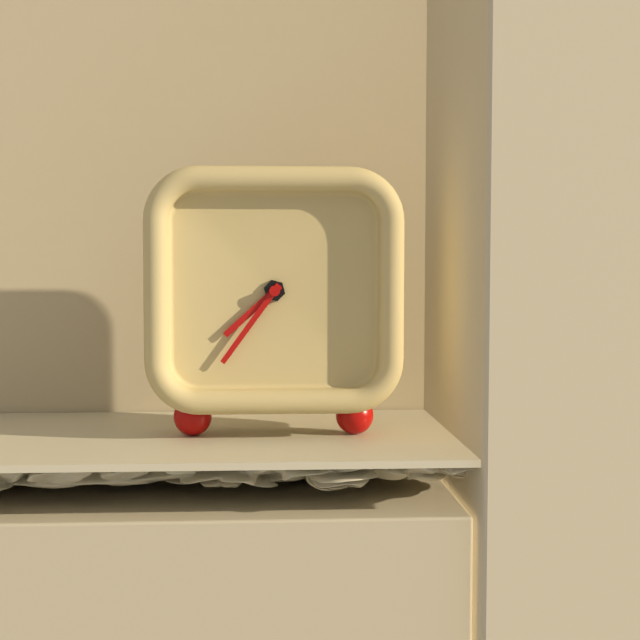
{"hour": 7, "minute": 36}
